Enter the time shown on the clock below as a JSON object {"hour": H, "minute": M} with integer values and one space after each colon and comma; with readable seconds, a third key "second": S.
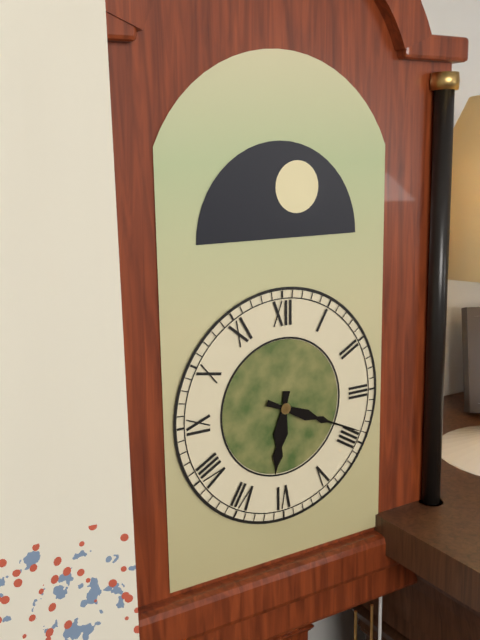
{"hour": 6, "minute": 19}
